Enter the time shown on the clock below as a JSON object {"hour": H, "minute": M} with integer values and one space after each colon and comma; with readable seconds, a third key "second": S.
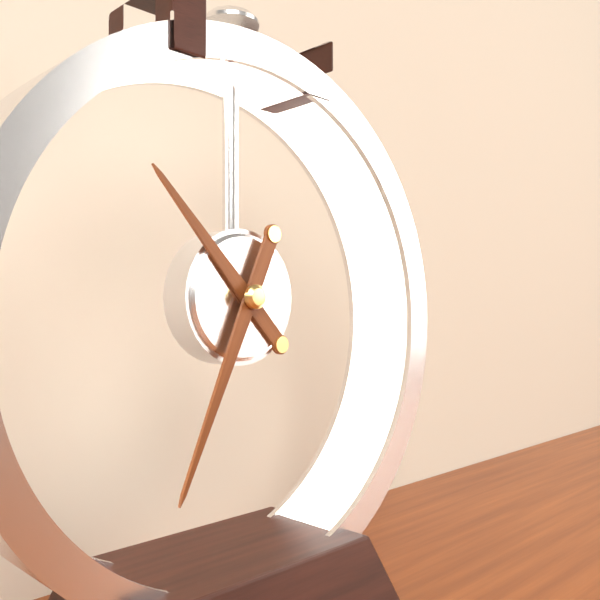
{"hour": 10, "minute": 34}
